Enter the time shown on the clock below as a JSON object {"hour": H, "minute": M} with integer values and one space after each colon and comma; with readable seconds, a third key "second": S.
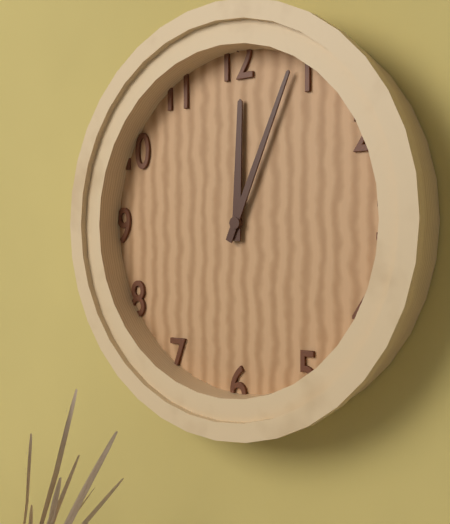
{"hour": 12, "minute": 4}
